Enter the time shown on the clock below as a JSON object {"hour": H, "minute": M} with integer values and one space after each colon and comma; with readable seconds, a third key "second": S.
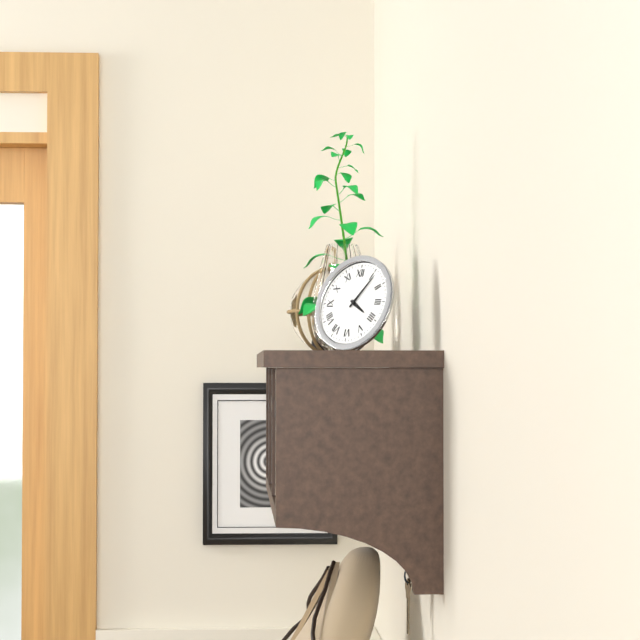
{"hour": 4, "minute": 6}
